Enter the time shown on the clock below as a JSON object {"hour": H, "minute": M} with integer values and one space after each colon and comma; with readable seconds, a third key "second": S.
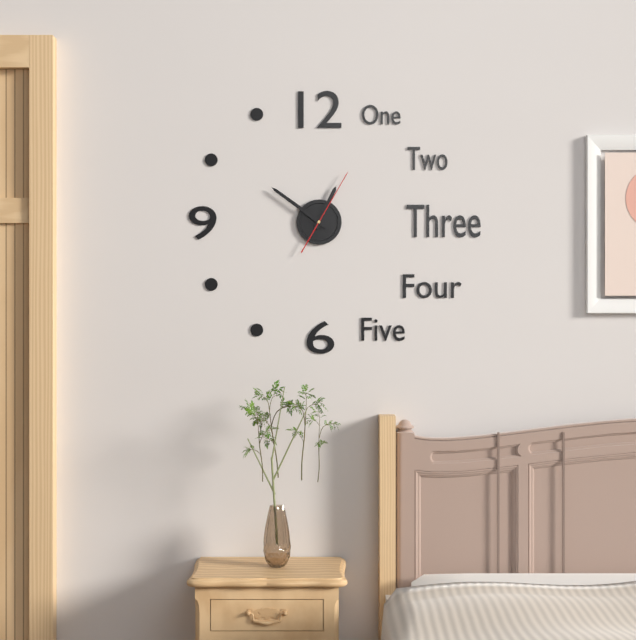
{"hour": 12, "minute": 51, "second": 5}
